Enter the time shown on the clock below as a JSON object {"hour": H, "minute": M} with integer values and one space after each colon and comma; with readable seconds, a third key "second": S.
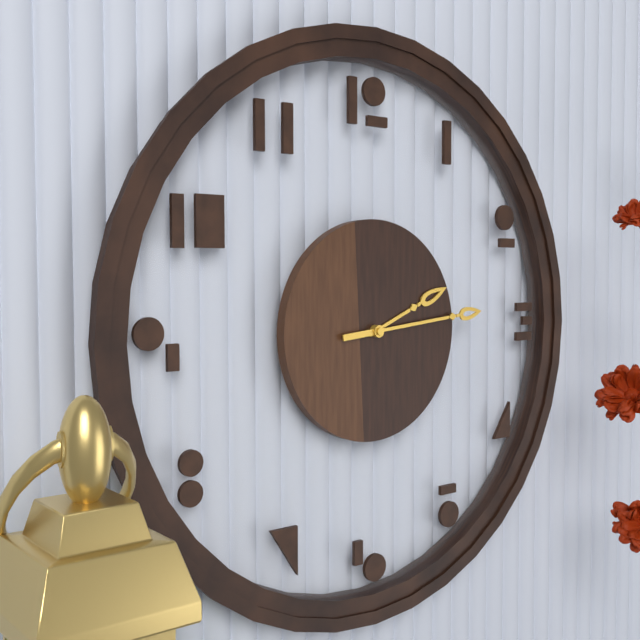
{"hour": 2, "minute": 14}
